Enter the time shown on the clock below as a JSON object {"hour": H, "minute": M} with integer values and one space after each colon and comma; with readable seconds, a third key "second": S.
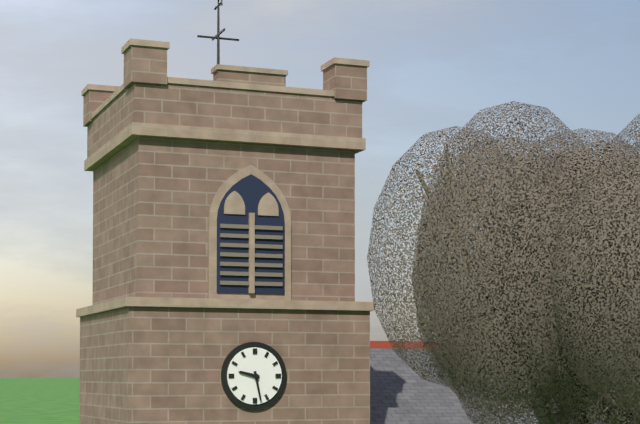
{"hour": 9, "minute": 28}
